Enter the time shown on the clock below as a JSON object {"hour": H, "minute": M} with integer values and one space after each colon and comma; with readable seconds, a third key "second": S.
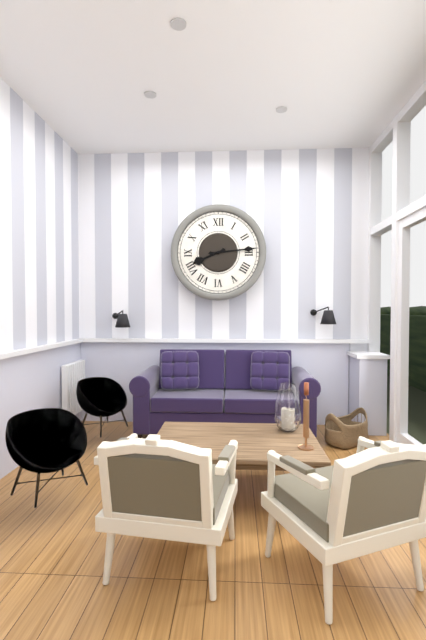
{"hour": 8, "minute": 14}
